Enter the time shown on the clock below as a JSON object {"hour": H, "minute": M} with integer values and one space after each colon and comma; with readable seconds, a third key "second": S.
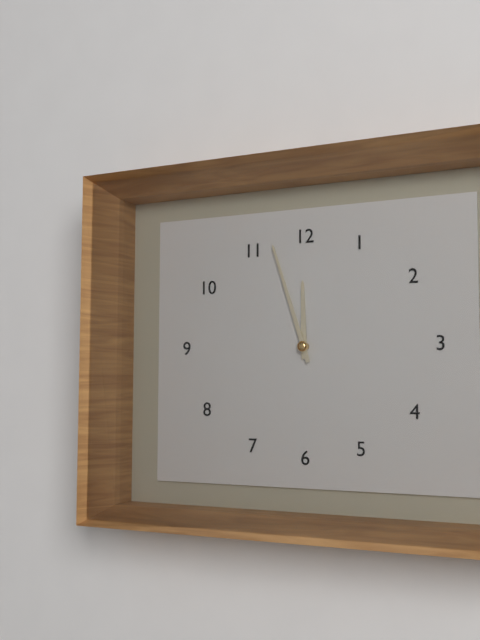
{"hour": 11, "minute": 57}
